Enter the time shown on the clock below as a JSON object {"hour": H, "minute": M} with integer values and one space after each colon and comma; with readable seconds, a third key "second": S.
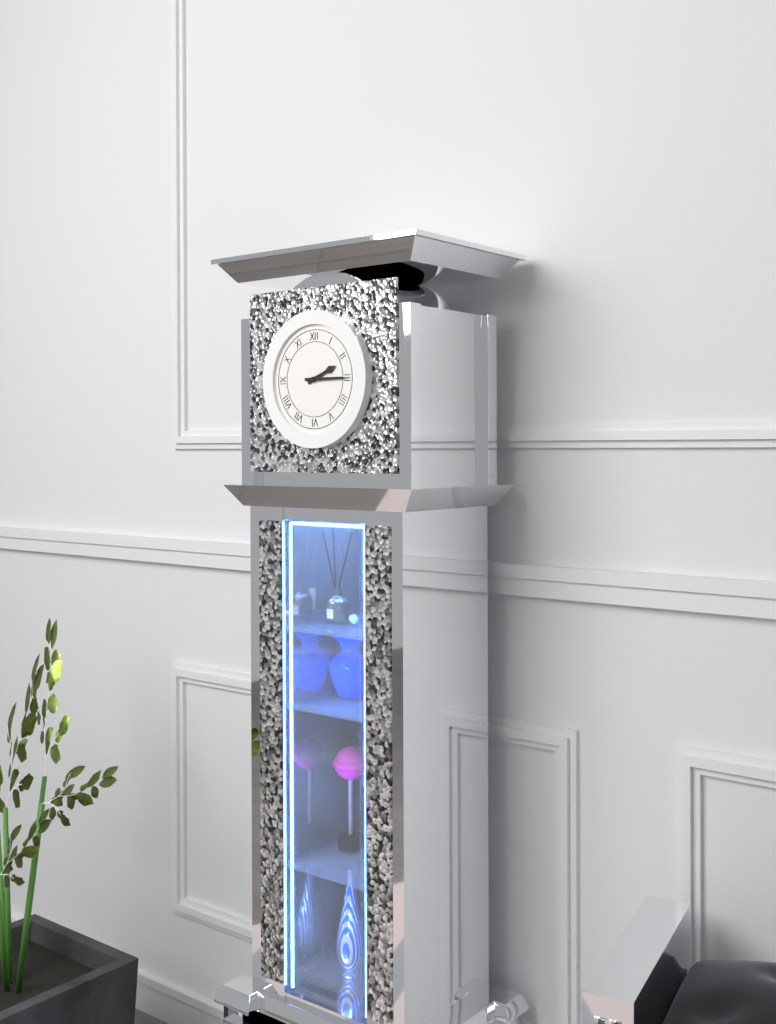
{"hour": 2, "minute": 15}
